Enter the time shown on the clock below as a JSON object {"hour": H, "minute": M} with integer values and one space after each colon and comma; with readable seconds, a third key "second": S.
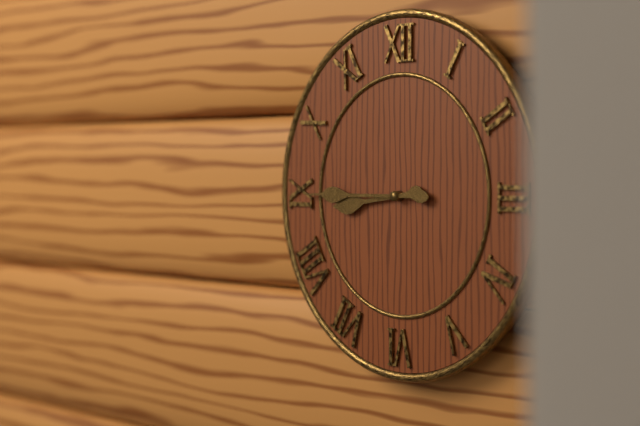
{"hour": 8, "minute": 45}
